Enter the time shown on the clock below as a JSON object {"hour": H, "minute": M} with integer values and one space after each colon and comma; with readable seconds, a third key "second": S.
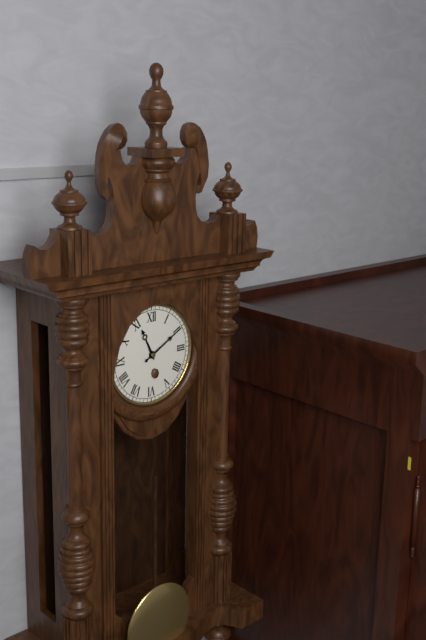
{"hour": 11, "minute": 10}
